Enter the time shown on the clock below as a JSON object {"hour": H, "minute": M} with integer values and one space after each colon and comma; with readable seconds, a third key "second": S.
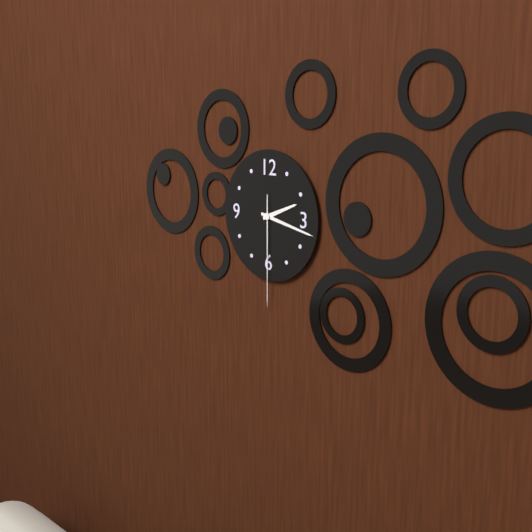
{"hour": 2, "minute": 17, "second": 30}
